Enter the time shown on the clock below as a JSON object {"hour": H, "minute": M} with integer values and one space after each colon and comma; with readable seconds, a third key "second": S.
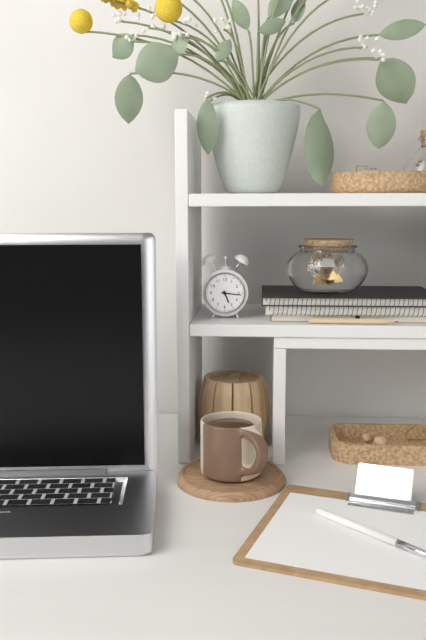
{"hour": 5, "minute": 16}
